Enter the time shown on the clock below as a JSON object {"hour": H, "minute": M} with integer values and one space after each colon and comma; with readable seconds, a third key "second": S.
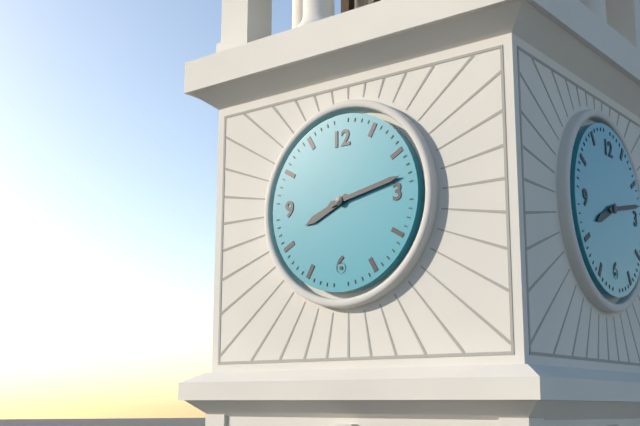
{"hour": 8, "minute": 13}
